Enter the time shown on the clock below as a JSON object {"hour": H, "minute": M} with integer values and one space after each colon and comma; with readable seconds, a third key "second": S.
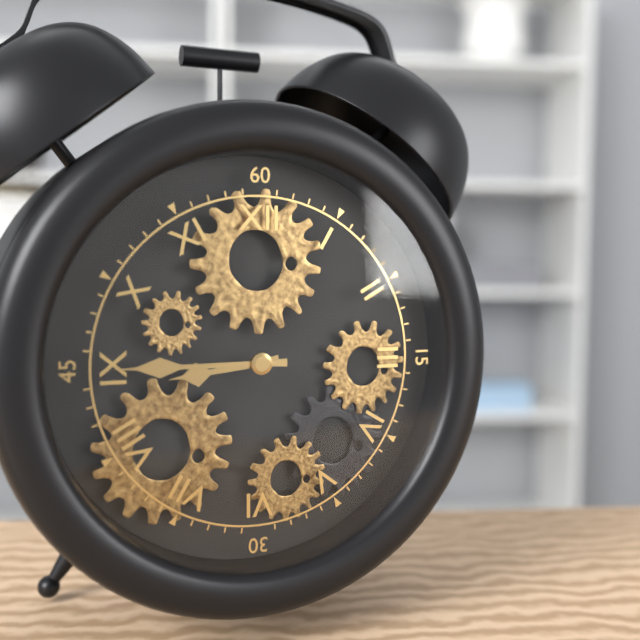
{"hour": 8, "minute": 45}
